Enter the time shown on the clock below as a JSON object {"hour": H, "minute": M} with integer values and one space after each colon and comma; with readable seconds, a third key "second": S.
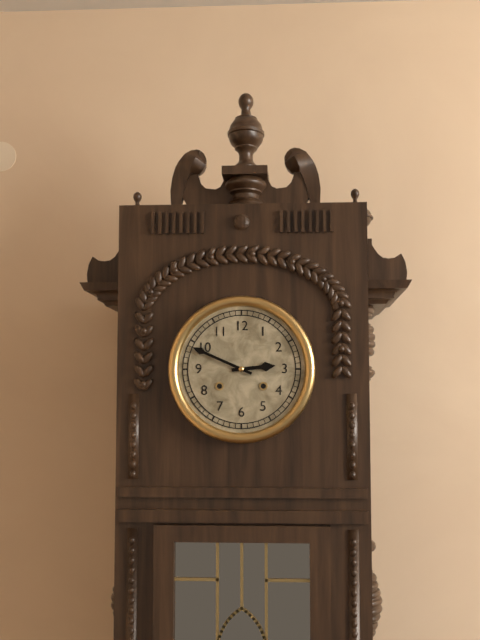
{"hour": 2, "minute": 49}
